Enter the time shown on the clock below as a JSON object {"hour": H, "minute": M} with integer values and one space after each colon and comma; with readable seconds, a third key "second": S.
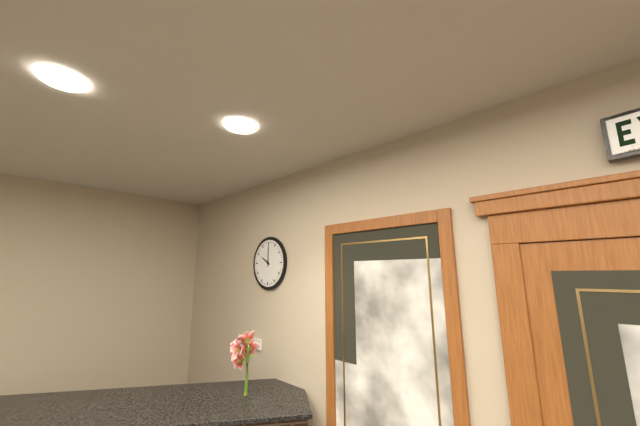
{"hour": 10, "minute": 0}
